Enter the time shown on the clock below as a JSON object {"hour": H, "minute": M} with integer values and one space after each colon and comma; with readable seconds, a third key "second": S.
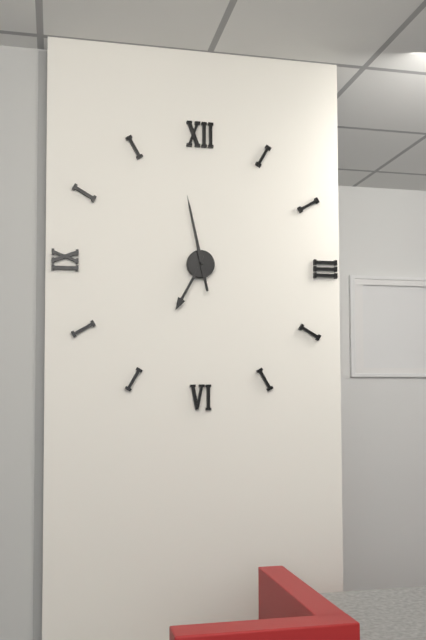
{"hour": 6, "minute": 58}
